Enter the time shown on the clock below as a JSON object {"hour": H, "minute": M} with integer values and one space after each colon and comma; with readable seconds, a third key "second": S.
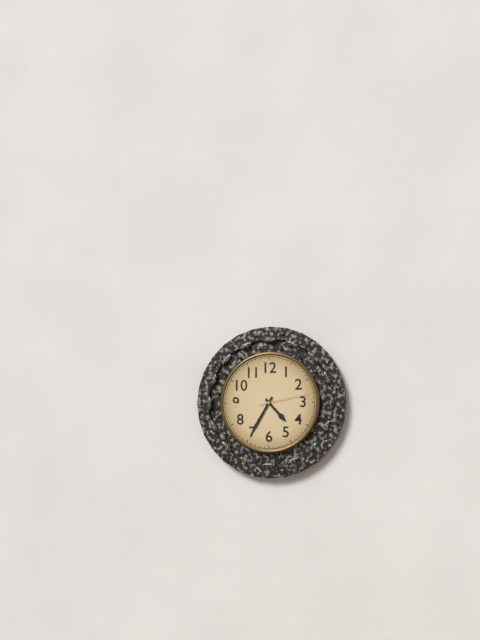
{"hour": 4, "minute": 35, "second": 13}
